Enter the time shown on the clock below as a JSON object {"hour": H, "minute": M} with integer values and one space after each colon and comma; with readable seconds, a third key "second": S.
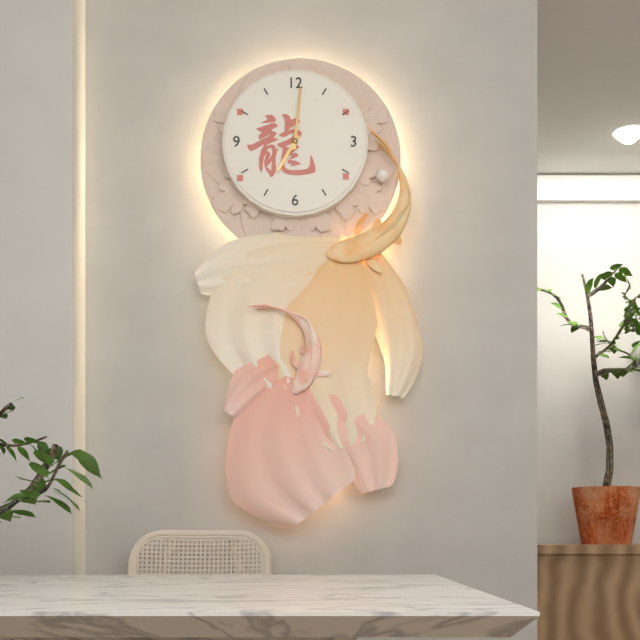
{"hour": 7, "minute": 1}
